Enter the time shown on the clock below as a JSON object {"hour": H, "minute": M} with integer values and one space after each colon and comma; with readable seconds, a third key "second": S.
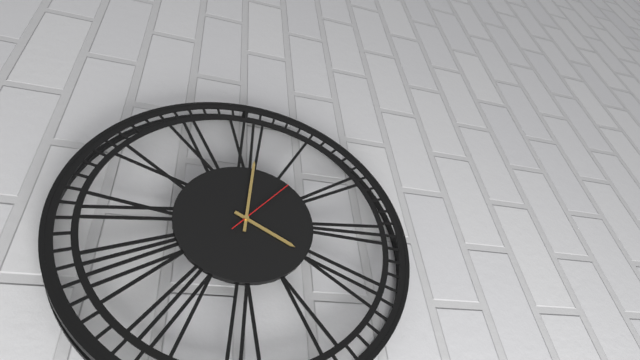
{"hour": 4, "minute": 1, "second": 7}
